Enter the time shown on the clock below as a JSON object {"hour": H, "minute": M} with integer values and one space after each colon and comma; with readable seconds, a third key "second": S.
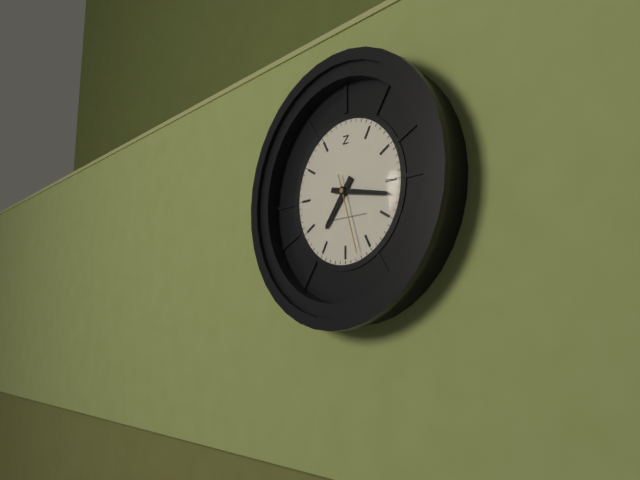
{"hour": 7, "minute": 17, "second": 27}
